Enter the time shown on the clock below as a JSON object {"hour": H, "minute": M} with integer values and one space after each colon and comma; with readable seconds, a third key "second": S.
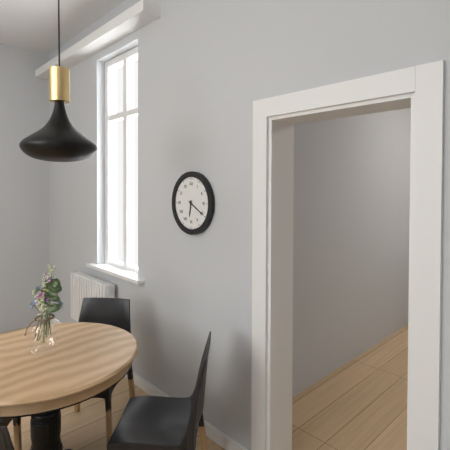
{"hour": 6, "minute": 20}
